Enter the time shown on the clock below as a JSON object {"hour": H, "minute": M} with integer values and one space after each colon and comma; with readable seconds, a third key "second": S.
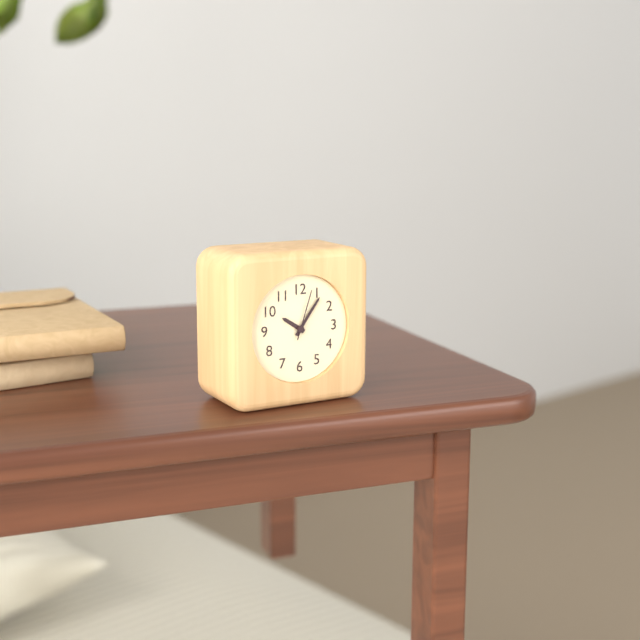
{"hour": 10, "minute": 6, "second": 3}
